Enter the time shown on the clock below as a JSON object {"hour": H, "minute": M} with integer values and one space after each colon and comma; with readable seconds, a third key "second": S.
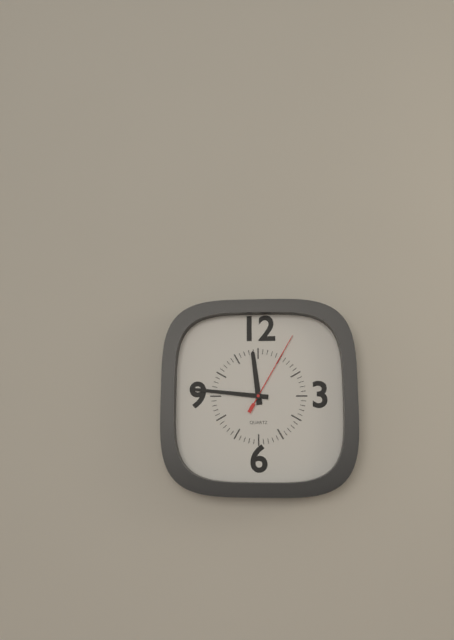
{"hour": 11, "minute": 46, "second": 5}
